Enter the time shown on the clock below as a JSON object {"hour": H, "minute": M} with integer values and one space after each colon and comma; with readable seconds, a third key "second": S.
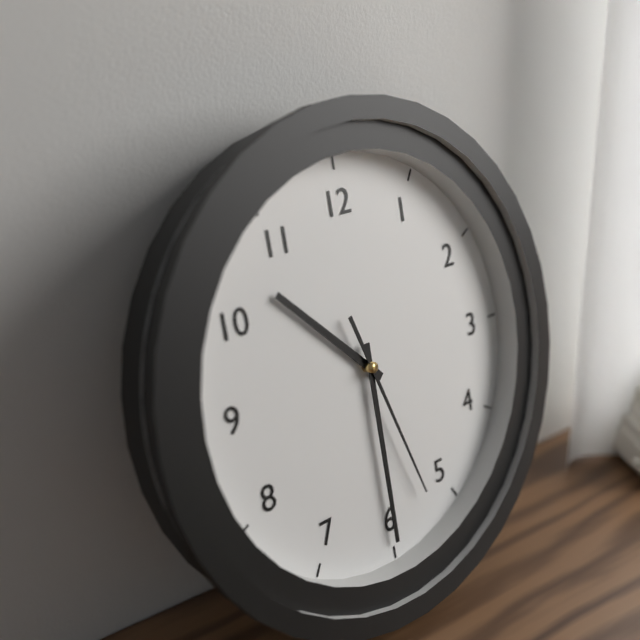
{"hour": 10, "minute": 30, "second": 27}
